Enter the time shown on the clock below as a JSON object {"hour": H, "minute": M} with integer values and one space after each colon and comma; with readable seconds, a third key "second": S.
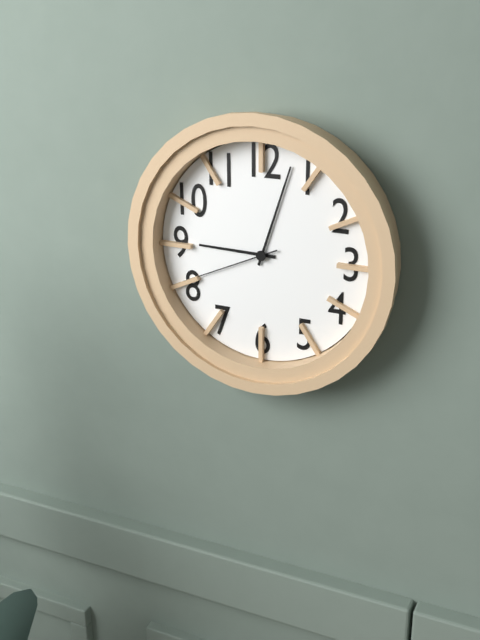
{"hour": 9, "minute": 3, "second": 41}
